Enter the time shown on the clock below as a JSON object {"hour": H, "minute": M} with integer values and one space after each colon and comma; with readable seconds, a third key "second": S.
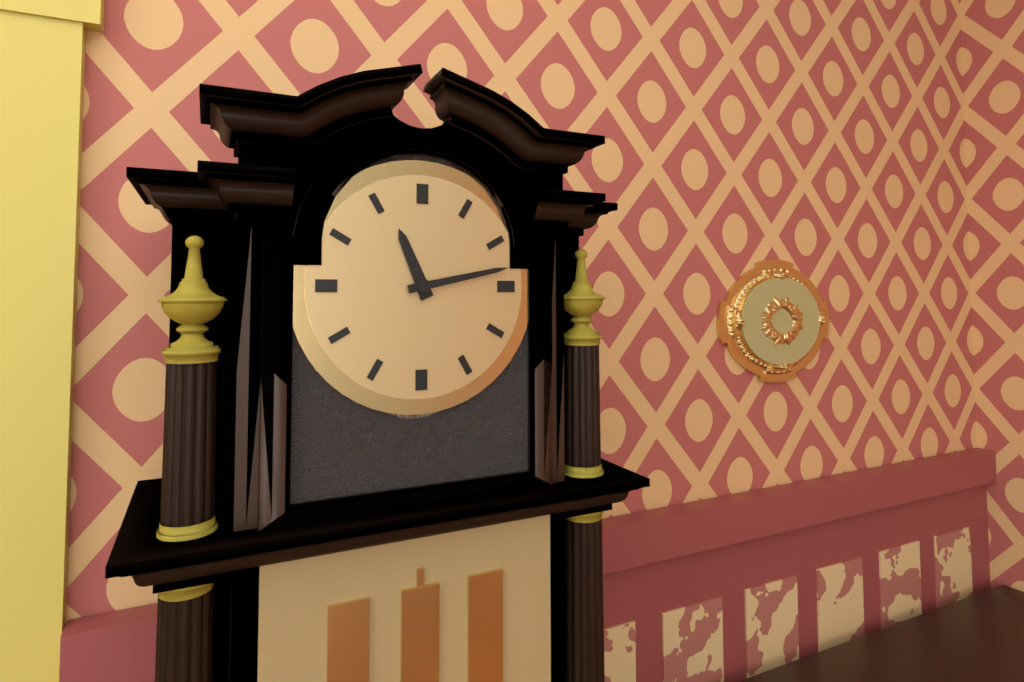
{"hour": 11, "minute": 13}
